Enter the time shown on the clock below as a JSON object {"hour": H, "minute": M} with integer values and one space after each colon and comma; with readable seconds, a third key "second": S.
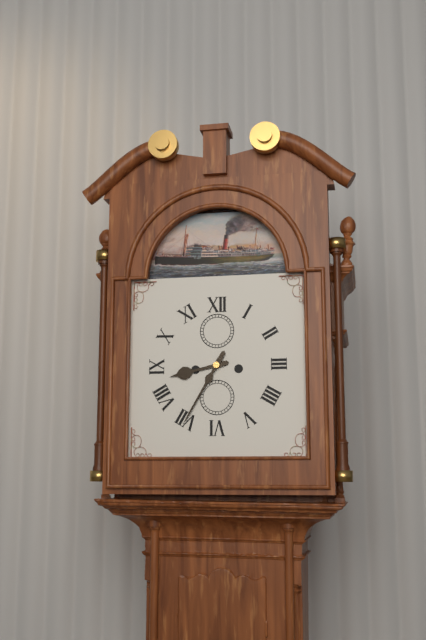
{"hour": 8, "minute": 35}
